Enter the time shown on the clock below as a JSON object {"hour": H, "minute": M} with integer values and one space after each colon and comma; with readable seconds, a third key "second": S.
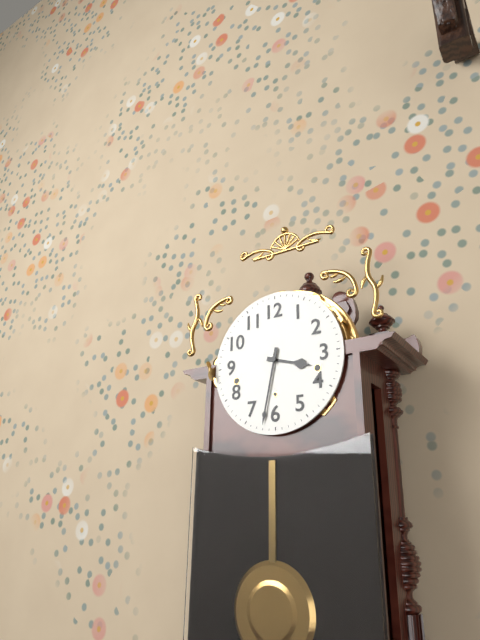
{"hour": 3, "minute": 32}
